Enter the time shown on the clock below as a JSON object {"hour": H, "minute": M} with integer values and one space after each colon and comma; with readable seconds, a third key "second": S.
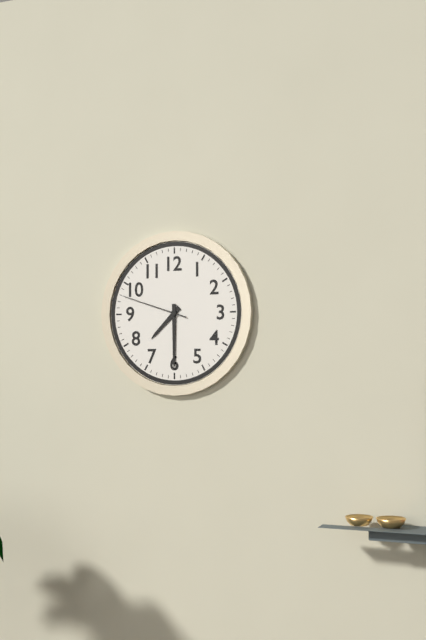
{"hour": 7, "minute": 30, "second": 48}
